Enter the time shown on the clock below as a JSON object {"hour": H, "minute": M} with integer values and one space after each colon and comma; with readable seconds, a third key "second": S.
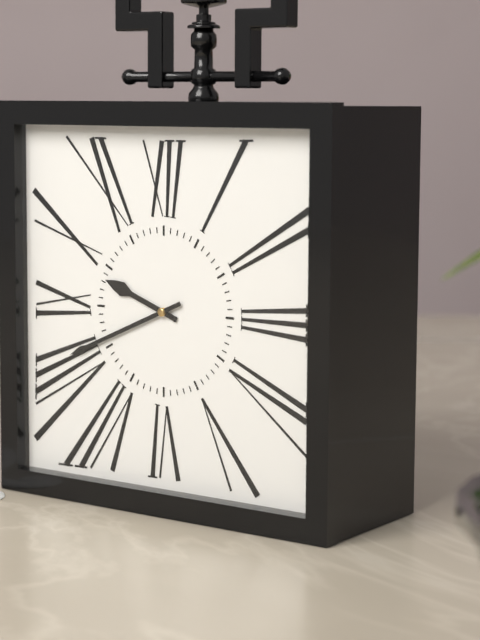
{"hour": 9, "minute": 41}
